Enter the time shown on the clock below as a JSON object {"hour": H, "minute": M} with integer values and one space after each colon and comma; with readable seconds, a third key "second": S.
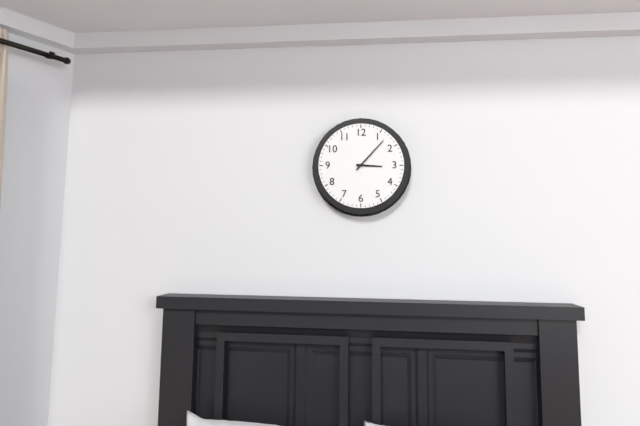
{"hour": 3, "minute": 7}
